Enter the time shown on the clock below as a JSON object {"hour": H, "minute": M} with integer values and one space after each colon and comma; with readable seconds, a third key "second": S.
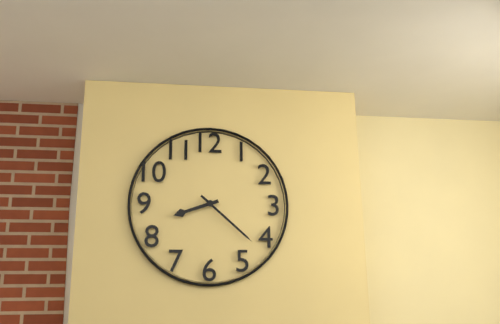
{"hour": 8, "minute": 22}
